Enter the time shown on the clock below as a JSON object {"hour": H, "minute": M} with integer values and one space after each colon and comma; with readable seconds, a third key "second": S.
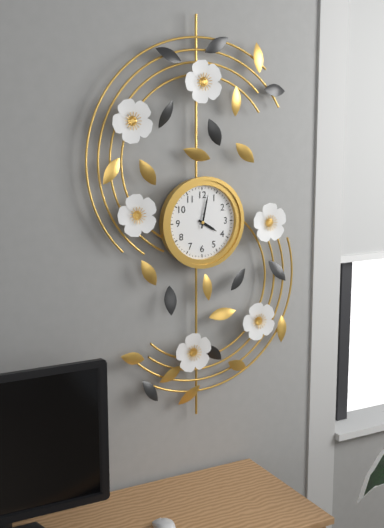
{"hour": 4, "minute": 2}
